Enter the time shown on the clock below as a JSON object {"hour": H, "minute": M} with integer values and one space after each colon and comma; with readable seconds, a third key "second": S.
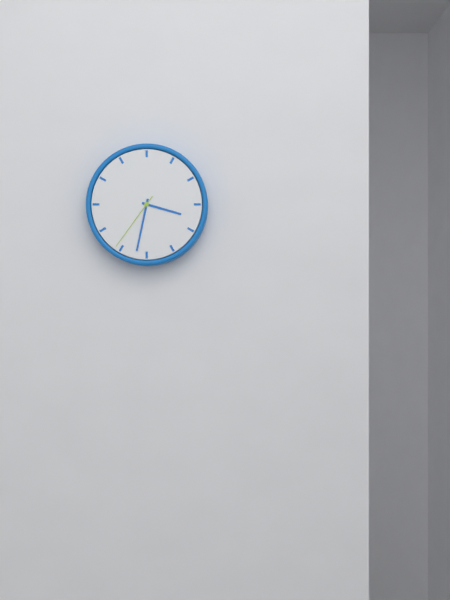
{"hour": 3, "minute": 32, "second": 36}
